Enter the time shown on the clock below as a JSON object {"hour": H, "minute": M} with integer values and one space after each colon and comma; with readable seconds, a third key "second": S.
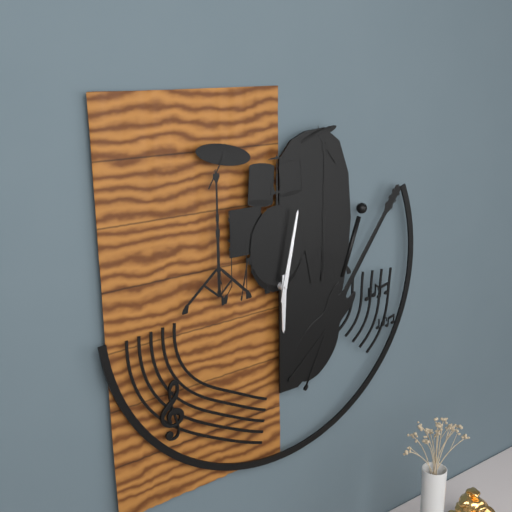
{"hour": 6, "minute": 2}
